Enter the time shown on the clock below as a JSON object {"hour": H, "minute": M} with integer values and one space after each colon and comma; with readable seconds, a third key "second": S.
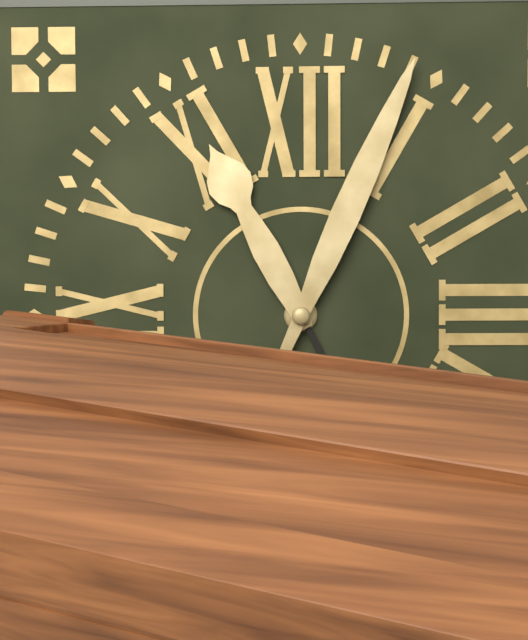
{"hour": 11, "minute": 4}
